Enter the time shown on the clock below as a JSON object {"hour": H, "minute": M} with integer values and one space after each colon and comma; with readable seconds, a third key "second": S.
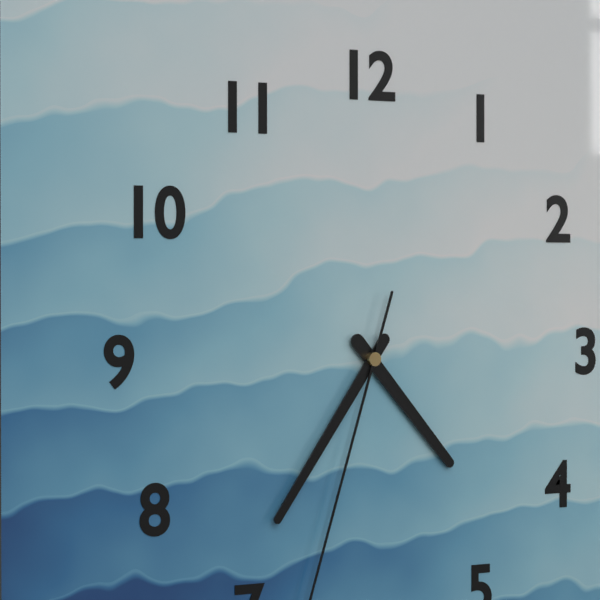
{"hour": 4, "minute": 36}
